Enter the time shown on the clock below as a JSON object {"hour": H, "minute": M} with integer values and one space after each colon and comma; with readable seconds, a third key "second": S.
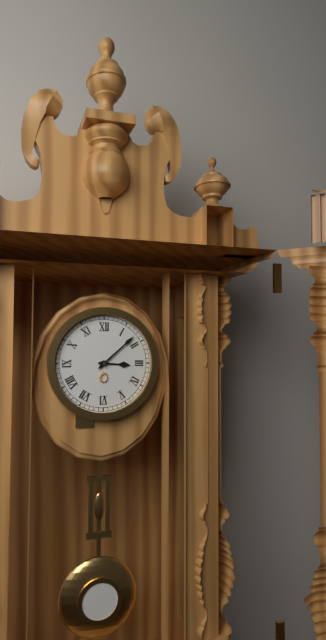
{"hour": 3, "minute": 8}
